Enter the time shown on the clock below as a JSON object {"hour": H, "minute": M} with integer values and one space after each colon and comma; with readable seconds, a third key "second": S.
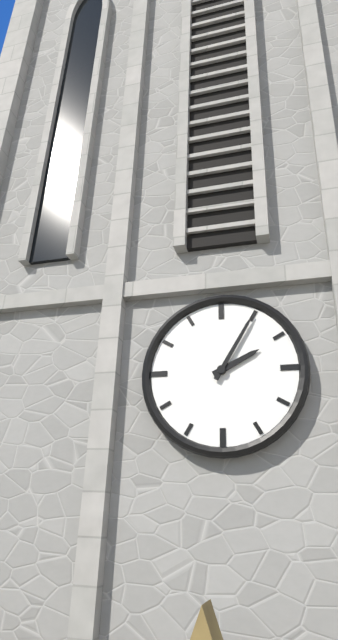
{"hour": 2, "minute": 5}
